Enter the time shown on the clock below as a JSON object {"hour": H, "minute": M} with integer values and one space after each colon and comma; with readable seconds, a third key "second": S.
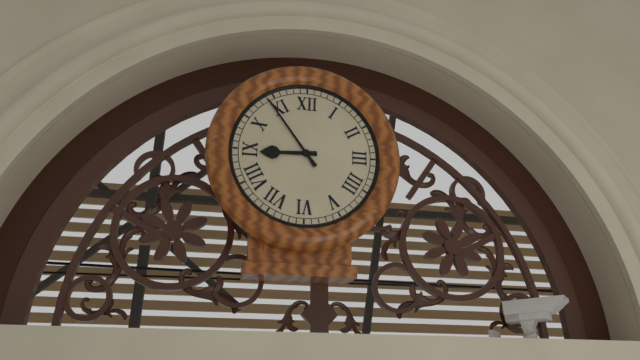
{"hour": 8, "minute": 54}
